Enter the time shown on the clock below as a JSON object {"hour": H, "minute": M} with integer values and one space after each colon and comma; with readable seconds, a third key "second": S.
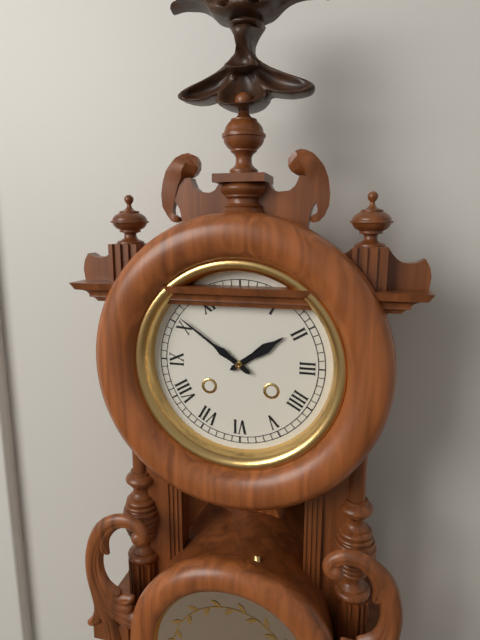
{"hour": 1, "minute": 51}
